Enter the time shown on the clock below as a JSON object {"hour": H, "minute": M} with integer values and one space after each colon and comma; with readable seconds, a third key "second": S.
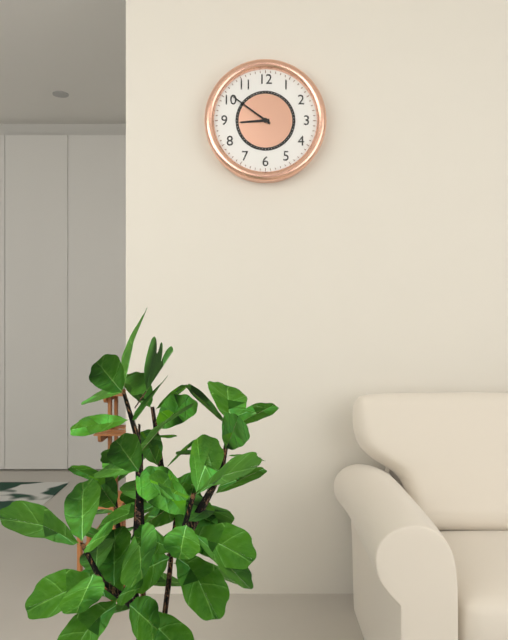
{"hour": 8, "minute": 51}
